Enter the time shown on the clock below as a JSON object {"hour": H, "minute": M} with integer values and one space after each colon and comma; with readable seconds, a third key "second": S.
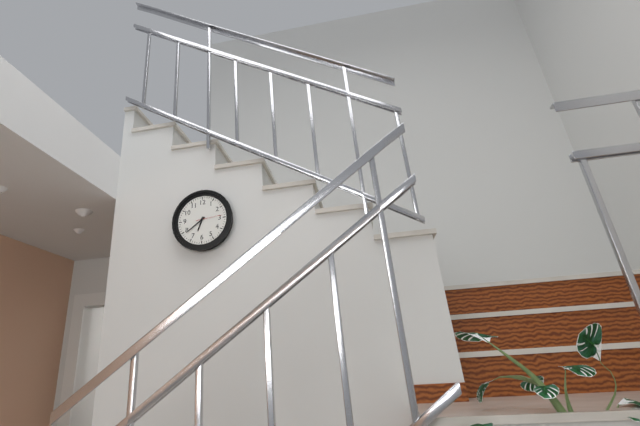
{"hour": 6, "minute": 39}
